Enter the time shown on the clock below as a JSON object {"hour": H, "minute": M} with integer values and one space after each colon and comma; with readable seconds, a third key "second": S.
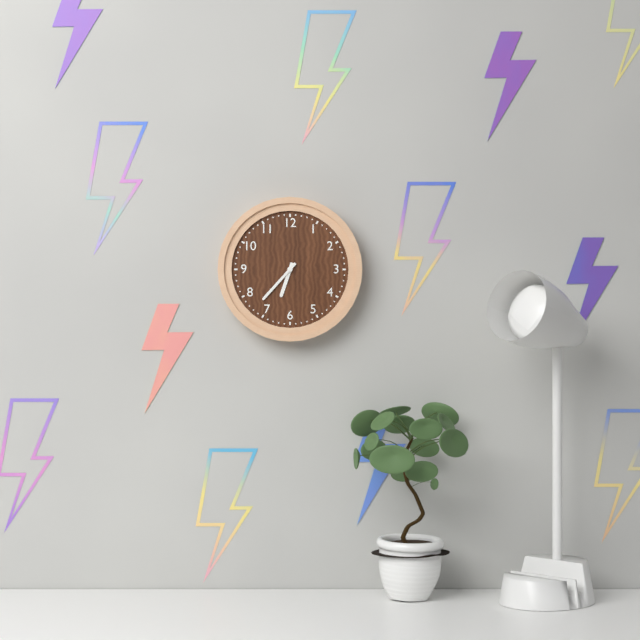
{"hour": 6, "minute": 37}
